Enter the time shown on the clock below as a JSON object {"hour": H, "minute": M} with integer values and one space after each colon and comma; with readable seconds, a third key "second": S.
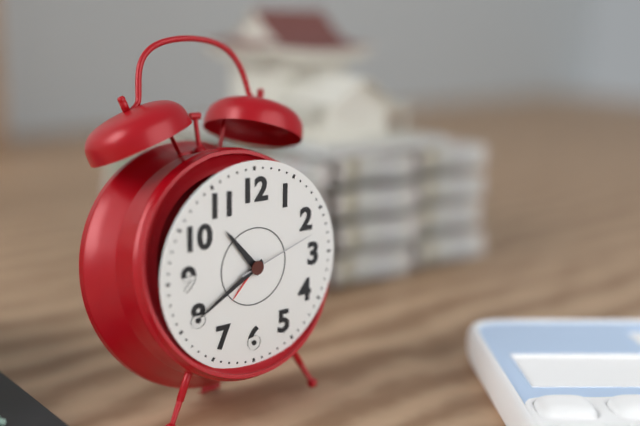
{"hour": 10, "minute": 40, "second": 12}
